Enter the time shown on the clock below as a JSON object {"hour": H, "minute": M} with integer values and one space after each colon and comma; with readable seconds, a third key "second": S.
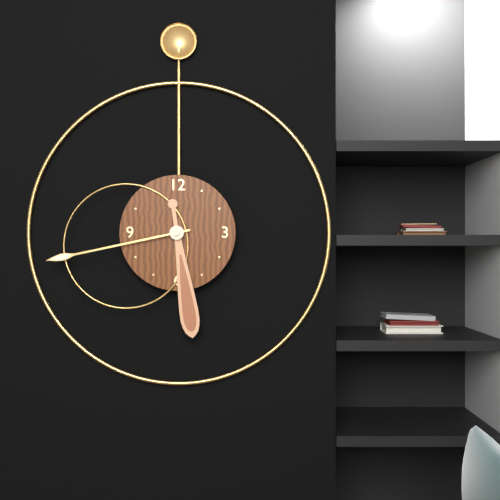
{"hour": 5, "minute": 43}
